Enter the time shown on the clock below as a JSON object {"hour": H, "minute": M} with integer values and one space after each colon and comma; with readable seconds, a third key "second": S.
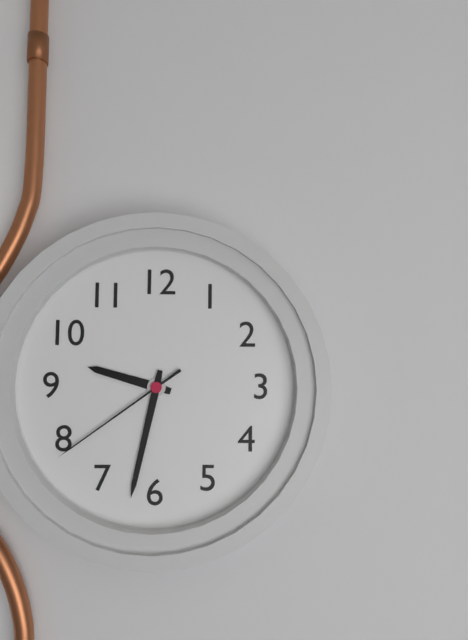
{"hour": 9, "minute": 32, "second": 39}
